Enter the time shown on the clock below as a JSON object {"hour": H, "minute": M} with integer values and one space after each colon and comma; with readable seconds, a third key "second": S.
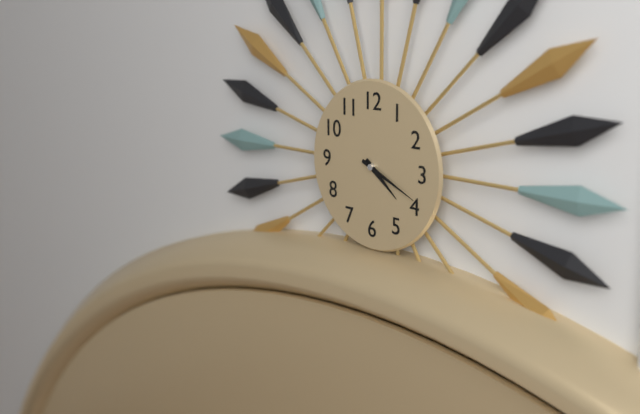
{"hour": 4, "minute": 19}
